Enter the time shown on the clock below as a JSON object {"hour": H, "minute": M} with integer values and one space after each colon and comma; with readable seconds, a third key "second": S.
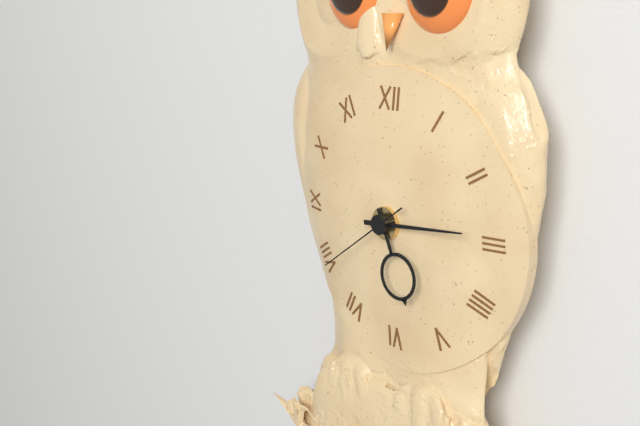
{"hour": 5, "minute": 14, "second": 39}
